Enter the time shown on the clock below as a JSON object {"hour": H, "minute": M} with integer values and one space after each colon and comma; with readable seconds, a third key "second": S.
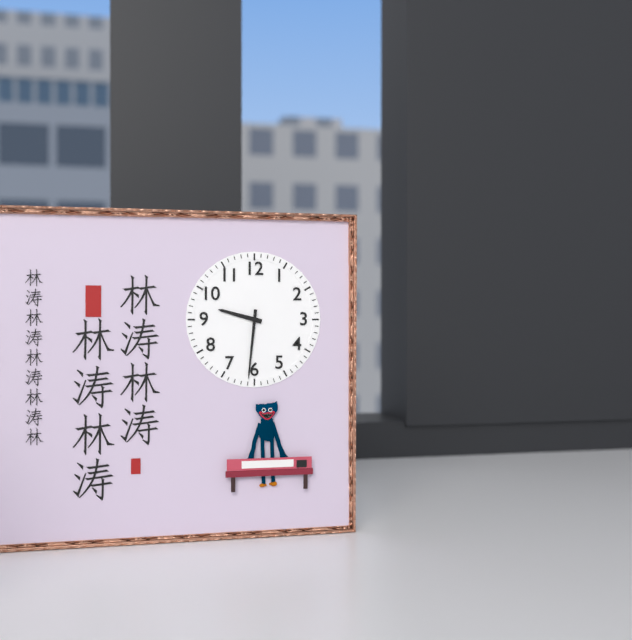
{"hour": 9, "minute": 31}
